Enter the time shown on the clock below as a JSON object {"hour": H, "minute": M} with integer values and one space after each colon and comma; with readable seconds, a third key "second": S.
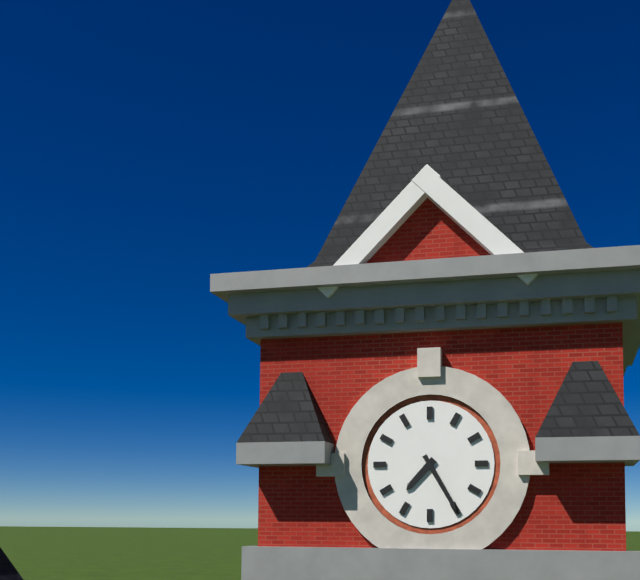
{"hour": 7, "minute": 25}
